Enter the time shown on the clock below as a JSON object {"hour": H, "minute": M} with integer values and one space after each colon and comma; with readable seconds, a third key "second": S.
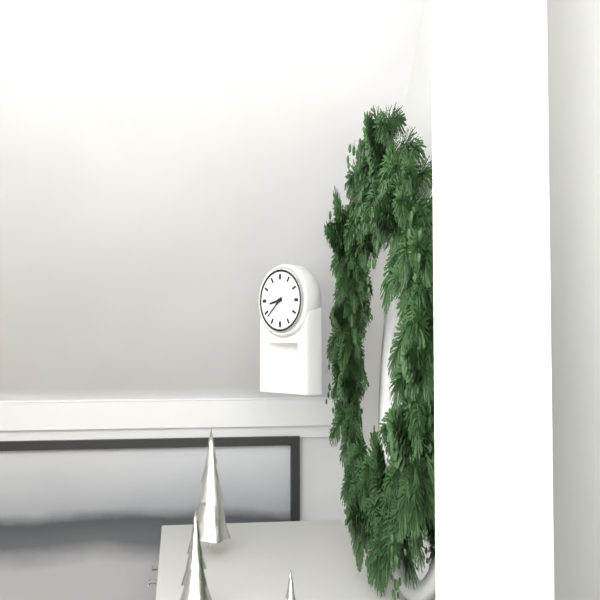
{"hour": 8, "minute": 38}
